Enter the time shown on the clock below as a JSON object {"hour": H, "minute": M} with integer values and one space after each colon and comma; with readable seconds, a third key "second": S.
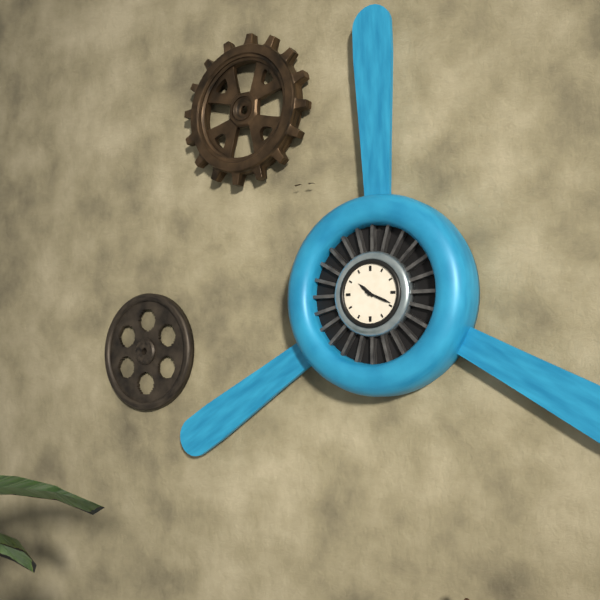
{"hour": 10, "minute": 19}
